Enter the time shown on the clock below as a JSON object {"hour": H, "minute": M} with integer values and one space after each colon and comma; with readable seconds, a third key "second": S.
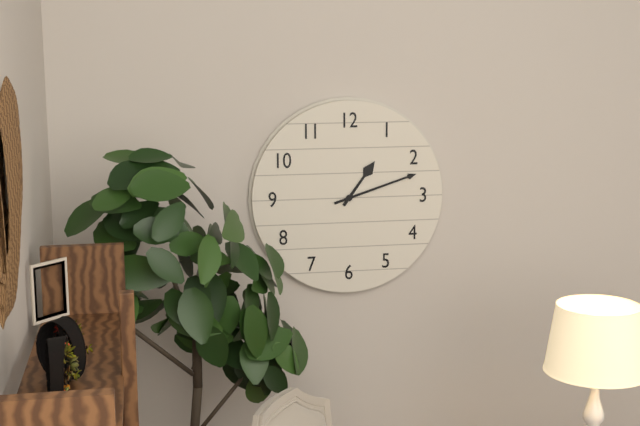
{"hour": 1, "minute": 12}
